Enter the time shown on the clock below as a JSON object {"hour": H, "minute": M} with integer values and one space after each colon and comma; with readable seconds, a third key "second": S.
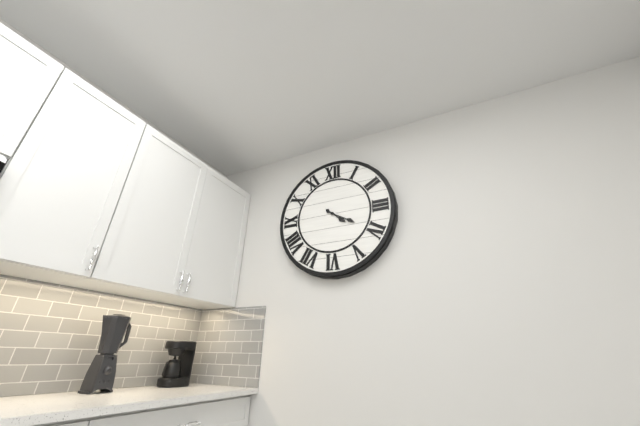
{"hour": 4, "minute": 20}
